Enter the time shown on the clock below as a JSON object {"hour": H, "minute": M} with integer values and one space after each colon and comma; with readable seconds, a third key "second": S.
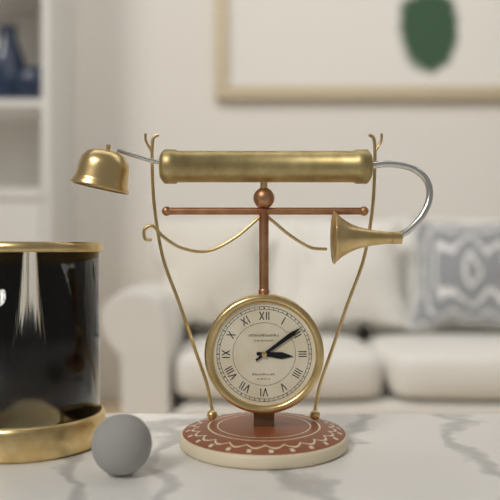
{"hour": 3, "minute": 9}
